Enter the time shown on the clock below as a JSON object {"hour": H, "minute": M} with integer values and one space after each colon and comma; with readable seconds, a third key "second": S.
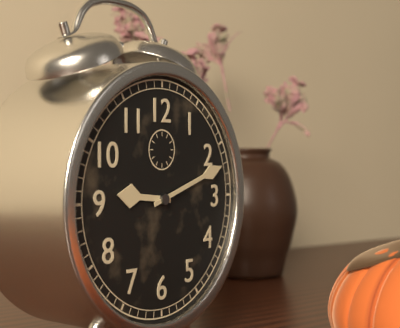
{"hour": 9, "minute": 12}
